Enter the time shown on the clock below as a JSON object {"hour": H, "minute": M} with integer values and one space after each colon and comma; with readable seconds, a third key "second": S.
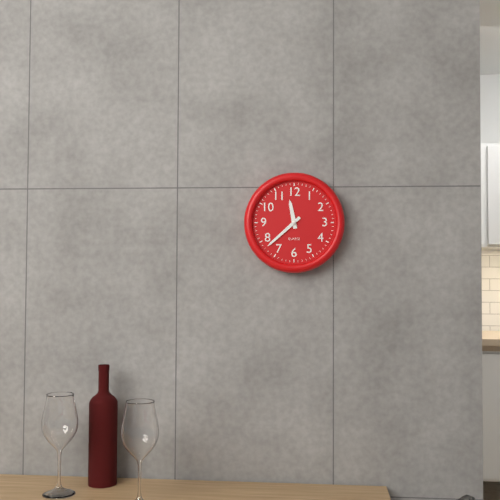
{"hour": 11, "minute": 38}
